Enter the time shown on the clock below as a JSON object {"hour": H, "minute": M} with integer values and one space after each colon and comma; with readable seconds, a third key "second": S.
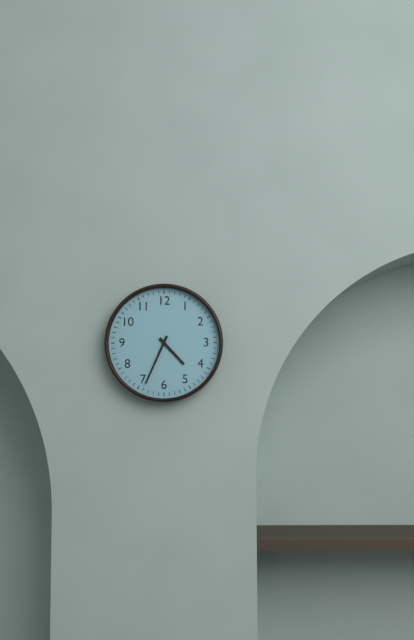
{"hour": 4, "minute": 34}
